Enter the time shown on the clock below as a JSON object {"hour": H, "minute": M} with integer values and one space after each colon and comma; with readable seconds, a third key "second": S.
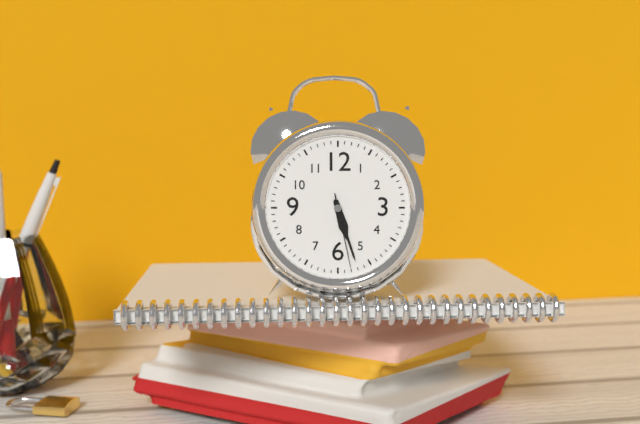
{"hour": 5, "minute": 27, "second": 28}
